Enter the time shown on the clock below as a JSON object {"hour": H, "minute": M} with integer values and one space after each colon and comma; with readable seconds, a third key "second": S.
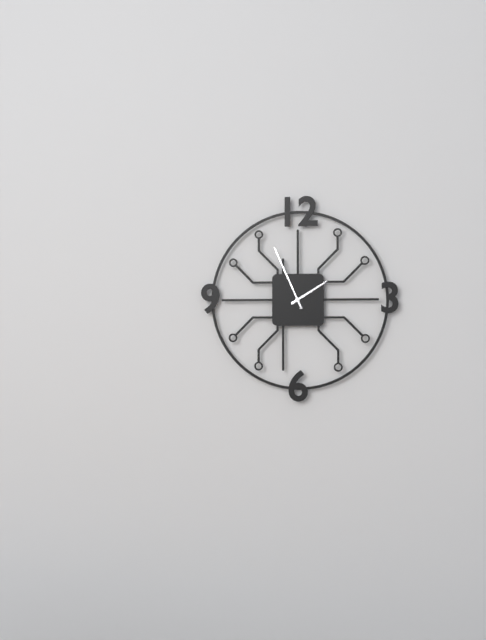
{"hour": 1, "minute": 56}
